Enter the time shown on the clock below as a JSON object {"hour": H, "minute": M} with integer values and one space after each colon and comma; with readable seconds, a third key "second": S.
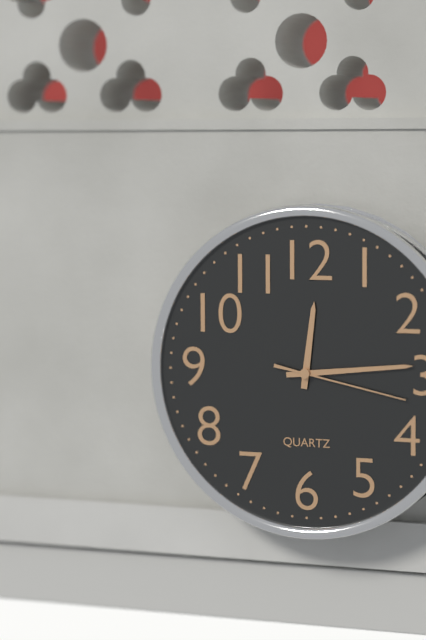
{"hour": 12, "minute": 14, "second": 17}
